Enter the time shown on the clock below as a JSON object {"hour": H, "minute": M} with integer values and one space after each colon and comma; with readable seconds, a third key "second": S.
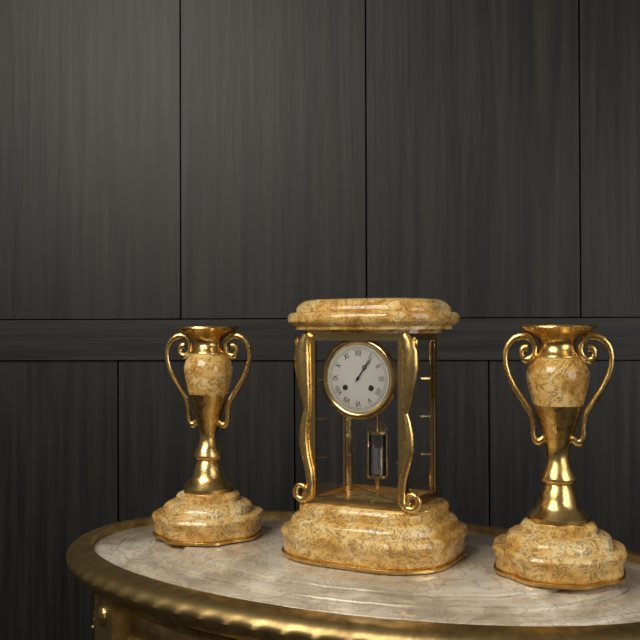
{"hour": 1, "minute": 6}
